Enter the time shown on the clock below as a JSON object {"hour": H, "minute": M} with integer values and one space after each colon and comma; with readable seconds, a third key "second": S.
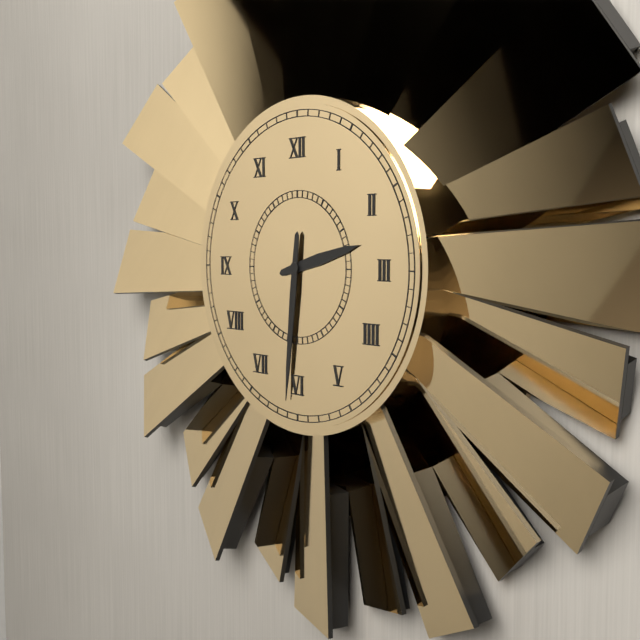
{"hour": 2, "minute": 31}
